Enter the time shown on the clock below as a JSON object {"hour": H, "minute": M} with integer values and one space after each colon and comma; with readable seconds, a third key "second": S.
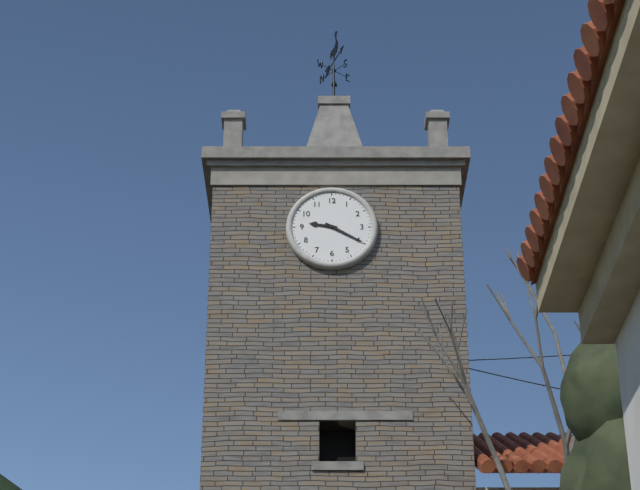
{"hour": 9, "minute": 20}
